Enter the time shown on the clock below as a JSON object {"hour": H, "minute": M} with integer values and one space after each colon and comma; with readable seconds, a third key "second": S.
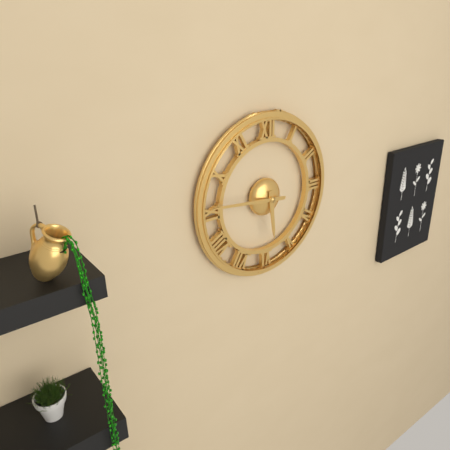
{"hour": 5, "minute": 46}
